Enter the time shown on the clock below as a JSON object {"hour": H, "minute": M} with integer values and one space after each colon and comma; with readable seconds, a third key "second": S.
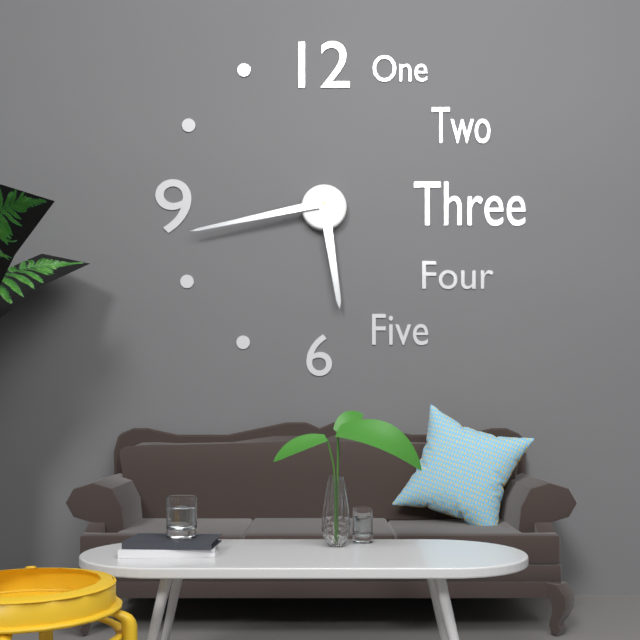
{"hour": 5, "minute": 43}
